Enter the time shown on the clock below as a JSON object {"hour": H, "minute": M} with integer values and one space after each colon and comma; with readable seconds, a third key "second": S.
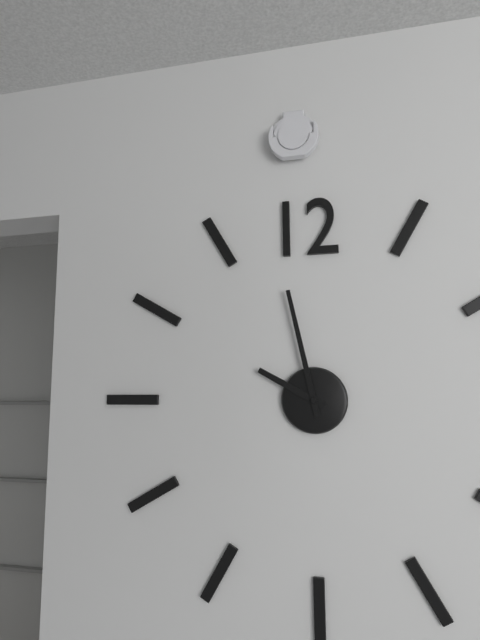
{"hour": 9, "minute": 58}
